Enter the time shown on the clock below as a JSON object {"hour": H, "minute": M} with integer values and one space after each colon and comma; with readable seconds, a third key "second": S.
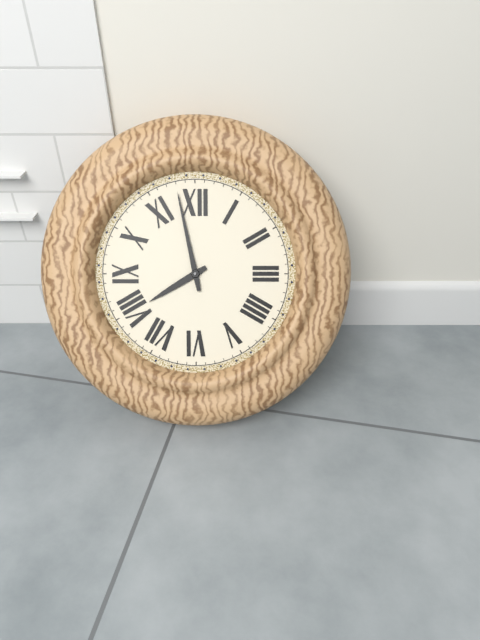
{"hour": 7, "minute": 58}
